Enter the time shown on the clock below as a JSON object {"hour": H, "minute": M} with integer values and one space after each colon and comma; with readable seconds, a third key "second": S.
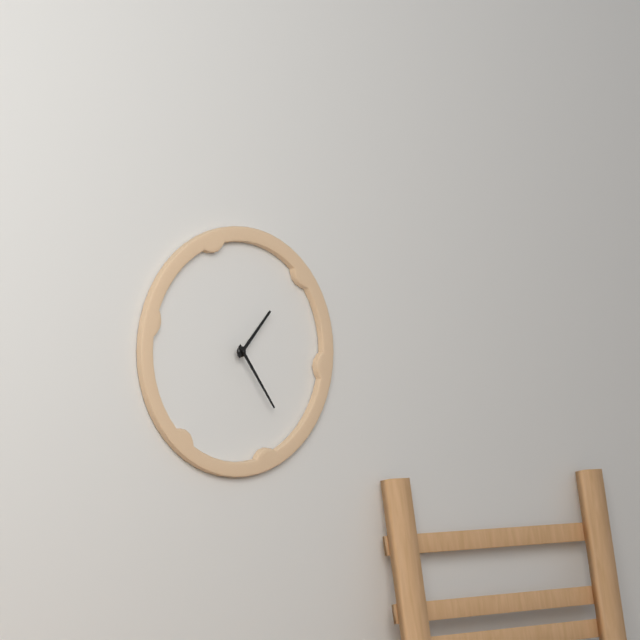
{"hour": 1, "minute": 24}
